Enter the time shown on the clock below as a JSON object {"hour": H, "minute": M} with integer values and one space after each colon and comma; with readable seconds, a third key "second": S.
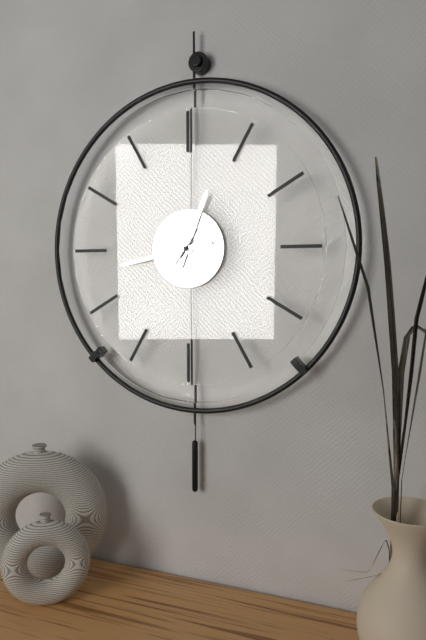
{"hour": 12, "minute": 43, "second": 6}
